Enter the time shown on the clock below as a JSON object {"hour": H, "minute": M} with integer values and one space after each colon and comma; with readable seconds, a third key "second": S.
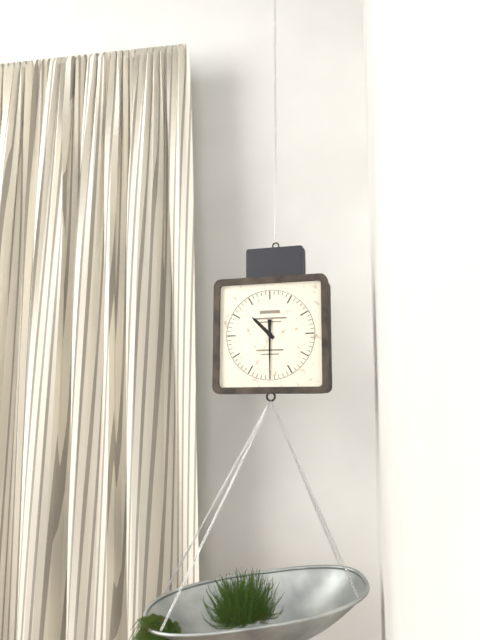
{"hour": 10, "minute": 30}
